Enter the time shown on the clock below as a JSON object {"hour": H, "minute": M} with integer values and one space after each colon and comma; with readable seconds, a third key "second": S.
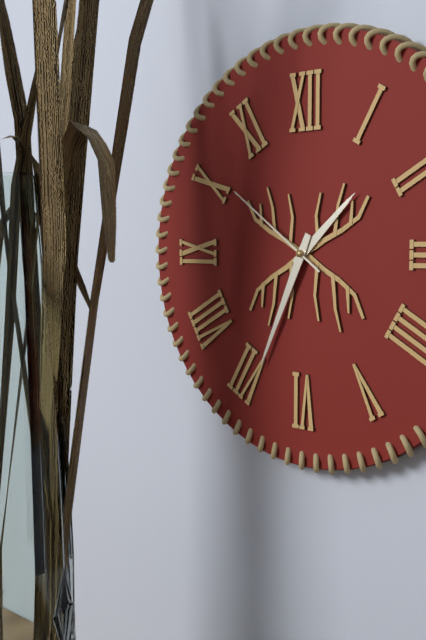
{"hour": 1, "minute": 34, "second": 51}
